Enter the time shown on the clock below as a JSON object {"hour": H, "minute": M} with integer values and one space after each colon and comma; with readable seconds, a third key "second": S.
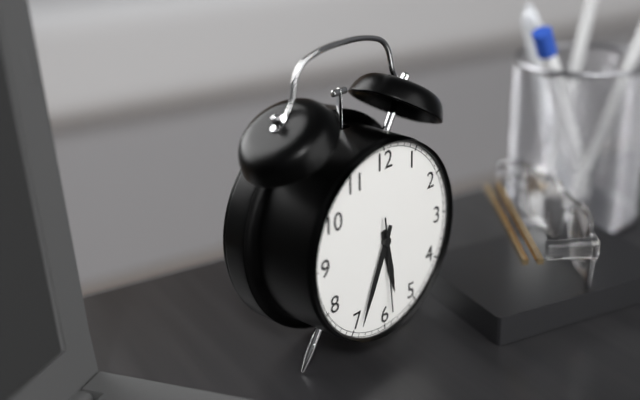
{"hour": 5, "minute": 34, "second": 29}
